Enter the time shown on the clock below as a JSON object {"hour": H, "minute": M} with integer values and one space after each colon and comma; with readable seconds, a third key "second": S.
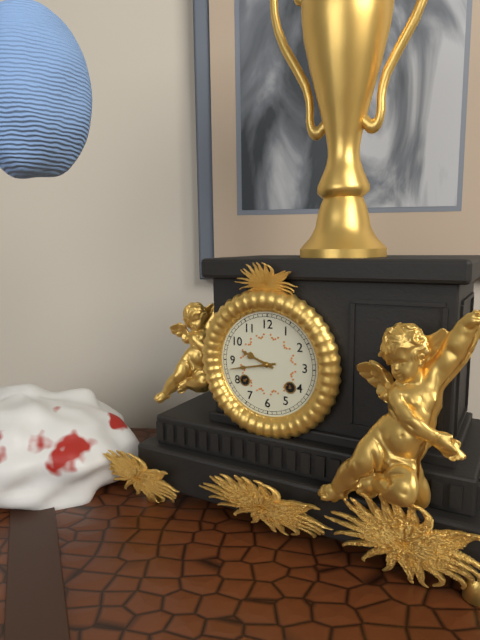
{"hour": 9, "minute": 43}
